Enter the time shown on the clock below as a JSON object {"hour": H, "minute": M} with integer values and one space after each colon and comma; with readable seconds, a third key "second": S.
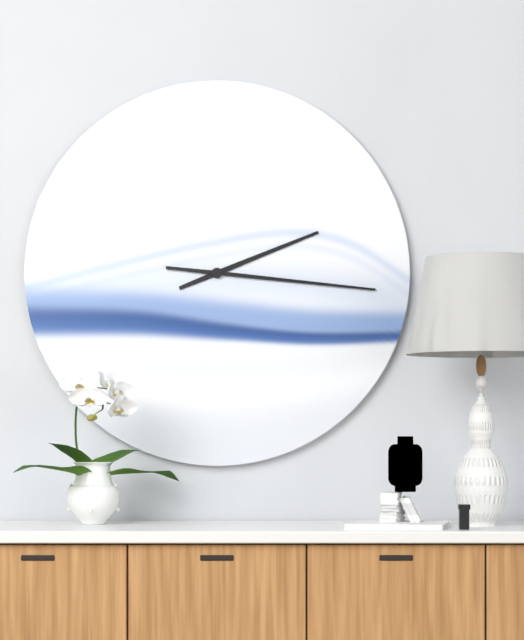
{"hour": 2, "minute": 16}
